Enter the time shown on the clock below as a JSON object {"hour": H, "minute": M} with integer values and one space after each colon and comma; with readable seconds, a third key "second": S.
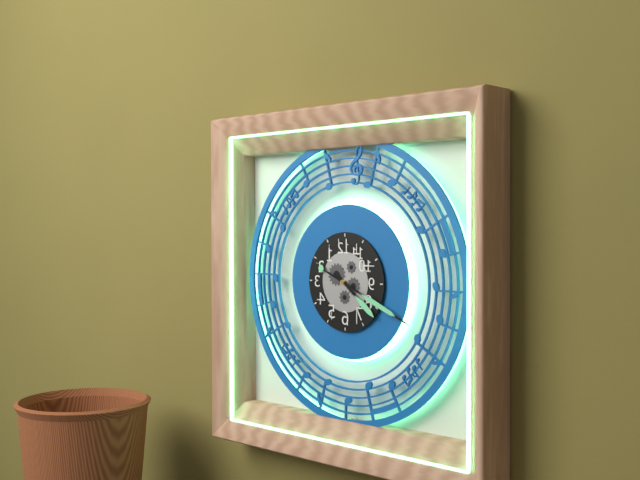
{"hour": 4, "minute": 19}
